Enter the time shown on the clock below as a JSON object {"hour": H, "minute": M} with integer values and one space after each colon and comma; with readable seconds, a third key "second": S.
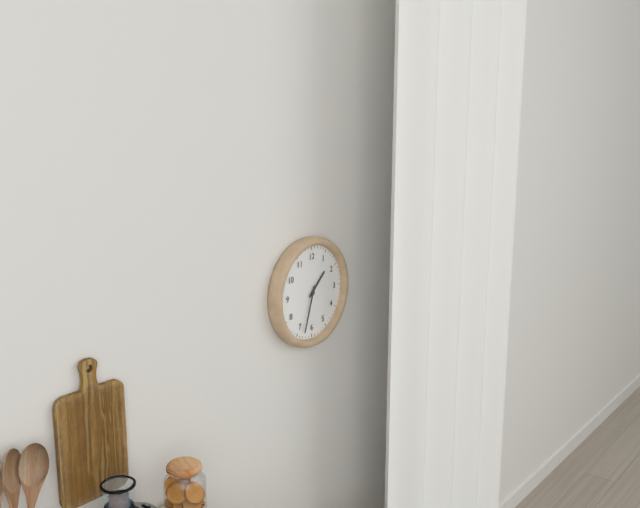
{"hour": 1, "minute": 33}
